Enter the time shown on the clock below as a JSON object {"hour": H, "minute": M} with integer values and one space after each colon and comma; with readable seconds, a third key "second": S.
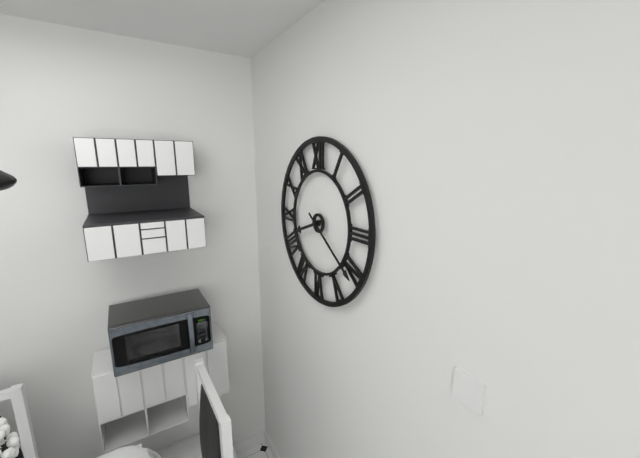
{"hour": 8, "minute": 21}
